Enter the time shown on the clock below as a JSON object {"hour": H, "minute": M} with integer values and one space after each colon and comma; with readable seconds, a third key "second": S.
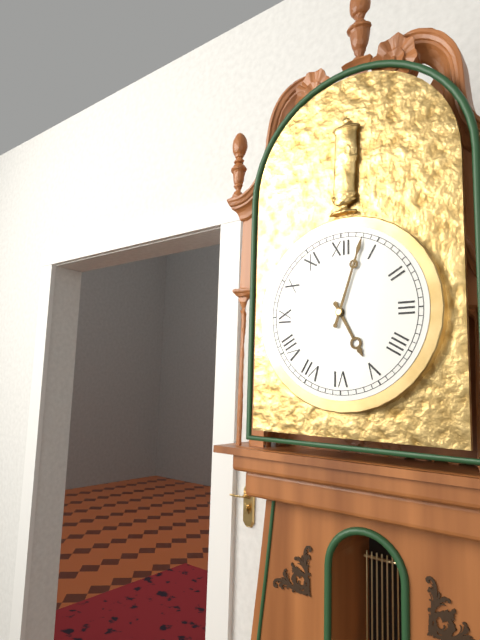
{"hour": 5, "minute": 3}
